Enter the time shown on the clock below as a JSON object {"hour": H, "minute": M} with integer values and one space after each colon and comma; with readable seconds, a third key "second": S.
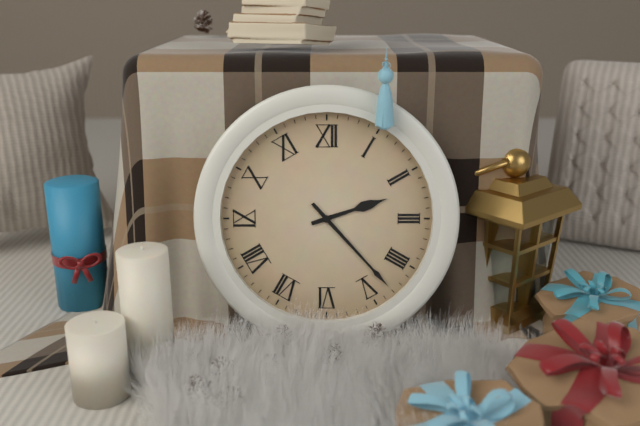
{"hour": 2, "minute": 23}
